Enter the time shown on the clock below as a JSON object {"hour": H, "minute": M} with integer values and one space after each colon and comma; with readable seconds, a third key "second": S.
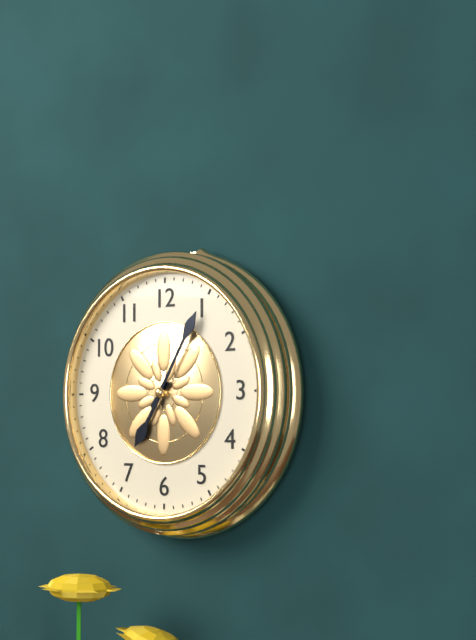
{"hour": 7, "minute": 5}
